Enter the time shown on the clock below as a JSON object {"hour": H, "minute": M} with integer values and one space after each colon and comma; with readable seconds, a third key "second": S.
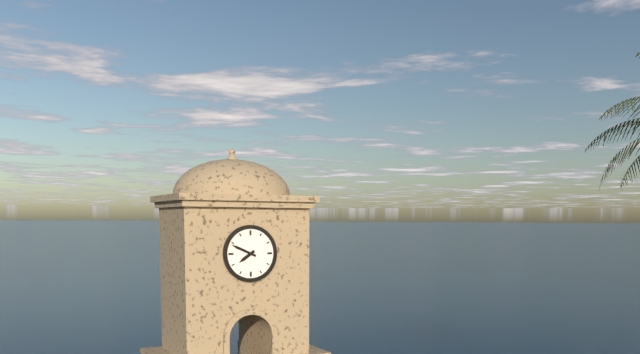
{"hour": 7, "minute": 49}
